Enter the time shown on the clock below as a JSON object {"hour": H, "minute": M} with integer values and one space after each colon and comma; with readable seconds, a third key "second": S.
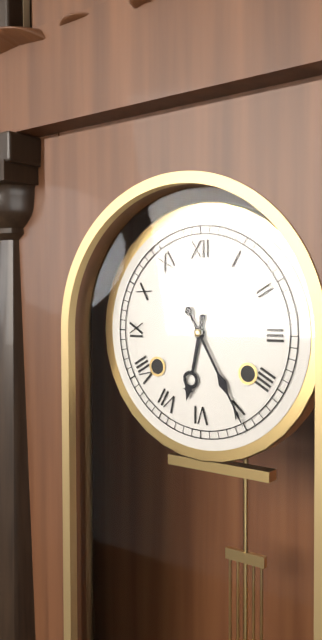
{"hour": 6, "minute": 25}
